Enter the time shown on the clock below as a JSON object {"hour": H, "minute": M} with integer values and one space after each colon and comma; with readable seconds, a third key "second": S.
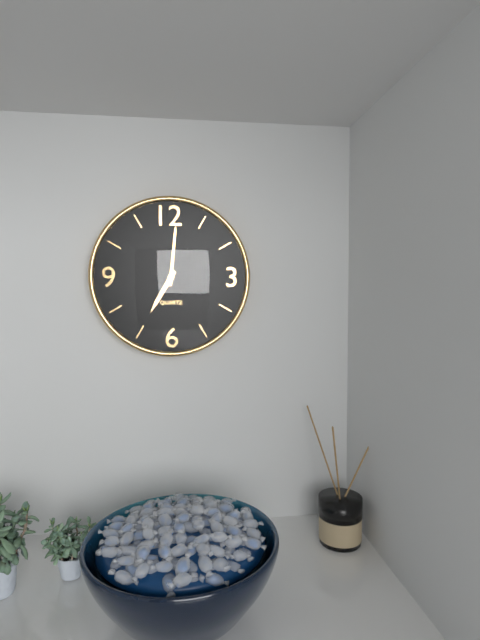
{"hour": 7, "minute": 1}
